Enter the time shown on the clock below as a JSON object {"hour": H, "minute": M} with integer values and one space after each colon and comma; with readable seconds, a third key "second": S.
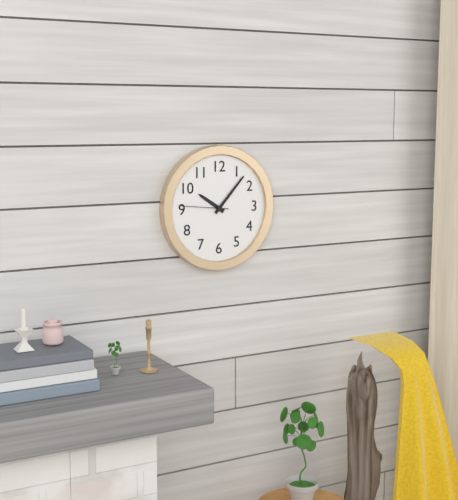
{"hour": 10, "minute": 7}
